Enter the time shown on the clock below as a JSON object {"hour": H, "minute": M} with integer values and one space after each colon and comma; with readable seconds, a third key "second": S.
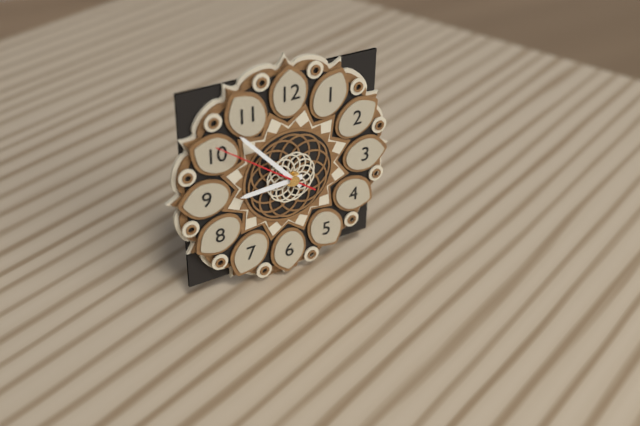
{"hour": 8, "minute": 53, "second": 51}
